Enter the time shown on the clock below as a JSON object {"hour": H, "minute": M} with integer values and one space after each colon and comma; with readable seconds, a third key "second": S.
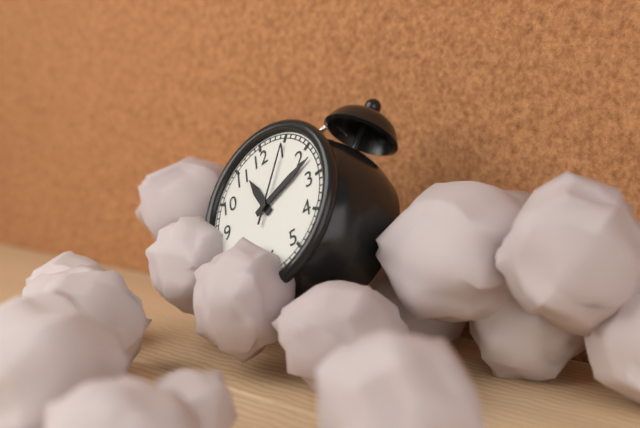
{"hour": 11, "minute": 12, "second": 5}
